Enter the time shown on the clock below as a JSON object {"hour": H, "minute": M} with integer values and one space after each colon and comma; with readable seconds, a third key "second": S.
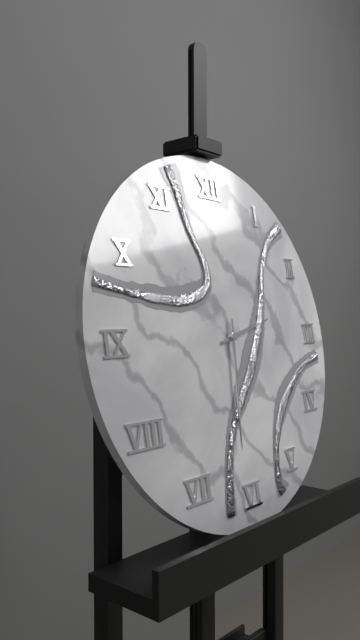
{"hour": 2, "minute": 31}
